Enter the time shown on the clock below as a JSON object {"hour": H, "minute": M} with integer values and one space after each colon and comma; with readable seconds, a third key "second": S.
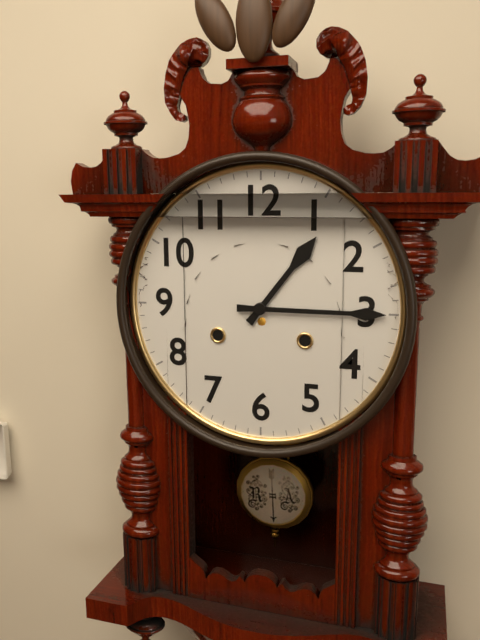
{"hour": 1, "minute": 15}
